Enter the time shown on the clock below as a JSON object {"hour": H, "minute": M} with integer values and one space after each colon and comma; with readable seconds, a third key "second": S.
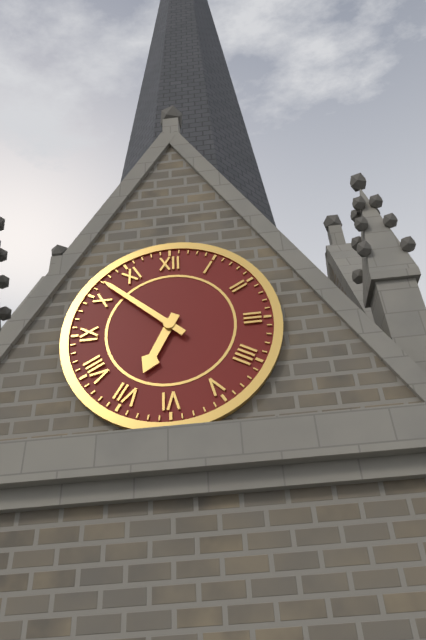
{"hour": 6, "minute": 52}
